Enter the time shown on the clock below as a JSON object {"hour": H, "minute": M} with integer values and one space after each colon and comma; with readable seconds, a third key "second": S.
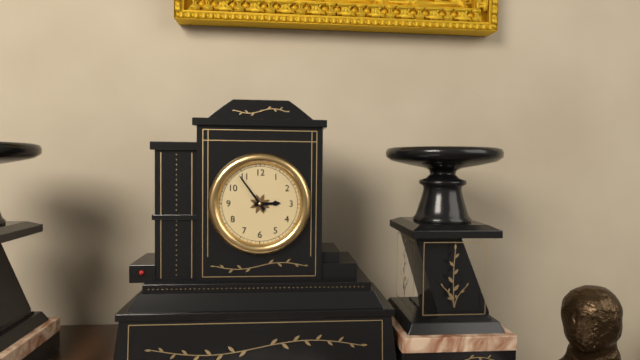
{"hour": 2, "minute": 54}
